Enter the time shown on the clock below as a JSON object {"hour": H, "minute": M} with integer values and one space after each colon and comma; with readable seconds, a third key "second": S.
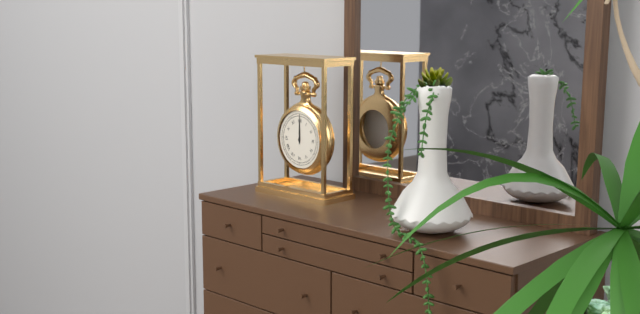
{"hour": 12, "minute": 0}
